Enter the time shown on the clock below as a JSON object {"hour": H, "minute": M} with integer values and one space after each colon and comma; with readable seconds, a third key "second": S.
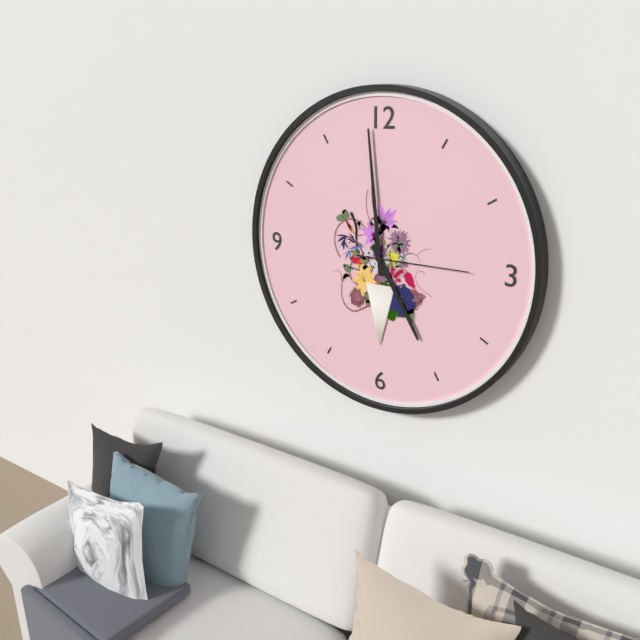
{"hour": 4, "minute": 59, "second": 15}
